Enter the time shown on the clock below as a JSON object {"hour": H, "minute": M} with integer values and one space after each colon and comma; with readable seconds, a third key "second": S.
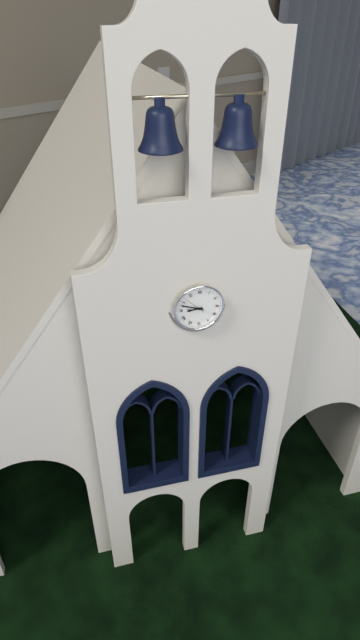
{"hour": 8, "minute": 48}
